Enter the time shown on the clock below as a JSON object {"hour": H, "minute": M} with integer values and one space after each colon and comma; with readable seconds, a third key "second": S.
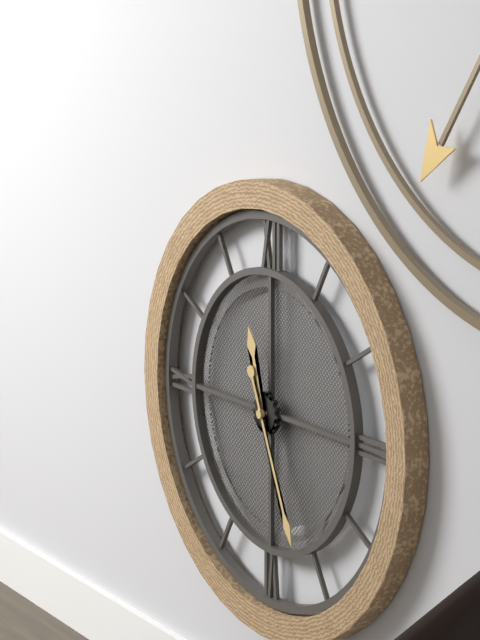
{"hour": 11, "minute": 26}
